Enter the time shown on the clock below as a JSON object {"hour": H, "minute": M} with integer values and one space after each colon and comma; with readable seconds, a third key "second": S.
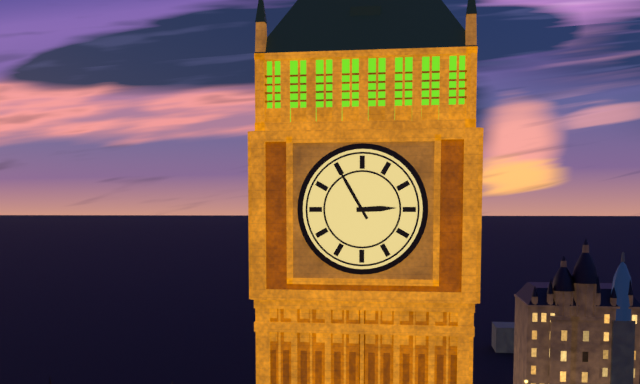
{"hour": 2, "minute": 55}
